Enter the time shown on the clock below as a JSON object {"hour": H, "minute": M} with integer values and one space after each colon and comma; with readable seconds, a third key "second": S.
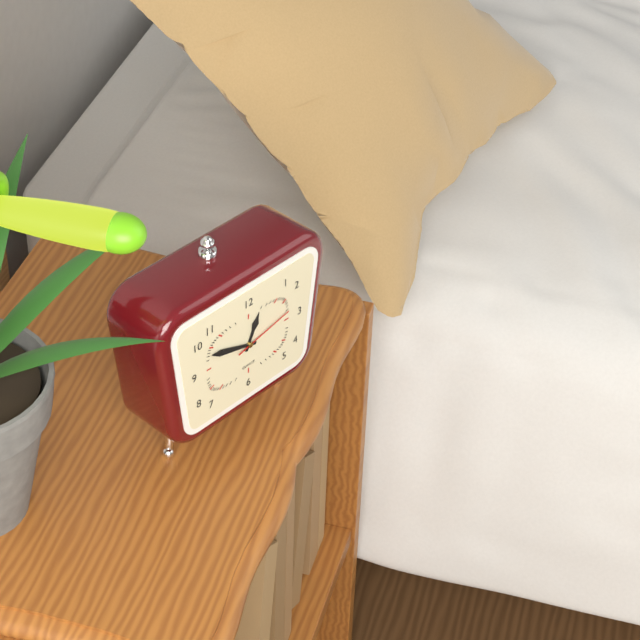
{"hour": 12, "minute": 48, "second": 13}
